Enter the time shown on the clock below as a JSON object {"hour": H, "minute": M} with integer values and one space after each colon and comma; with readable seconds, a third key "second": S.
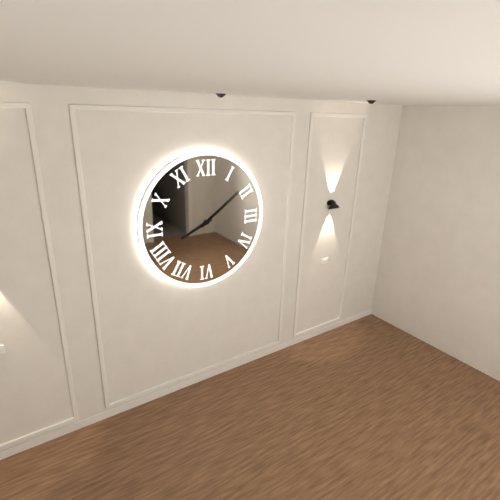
{"hour": 8, "minute": 9}
